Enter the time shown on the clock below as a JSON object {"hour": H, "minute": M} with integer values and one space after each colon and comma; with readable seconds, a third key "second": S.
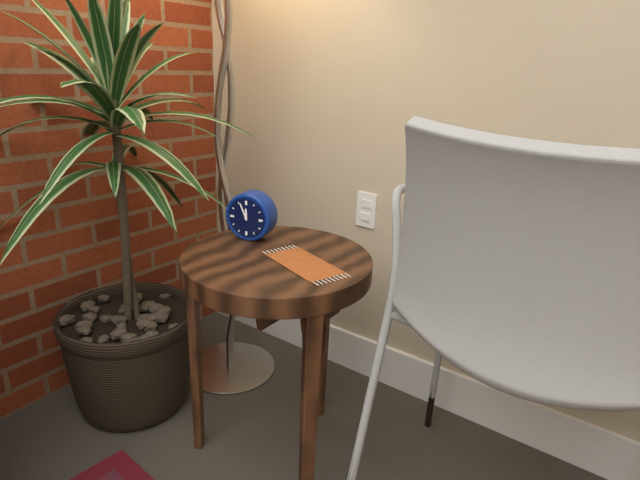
{"hour": 11, "minute": 56}
